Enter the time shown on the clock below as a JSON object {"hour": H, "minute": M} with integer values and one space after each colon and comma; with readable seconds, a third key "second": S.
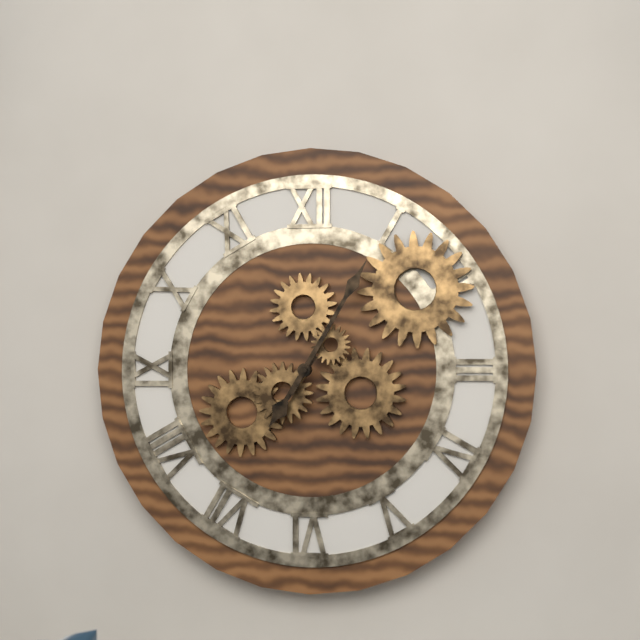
{"hour": 7, "minute": 5}
